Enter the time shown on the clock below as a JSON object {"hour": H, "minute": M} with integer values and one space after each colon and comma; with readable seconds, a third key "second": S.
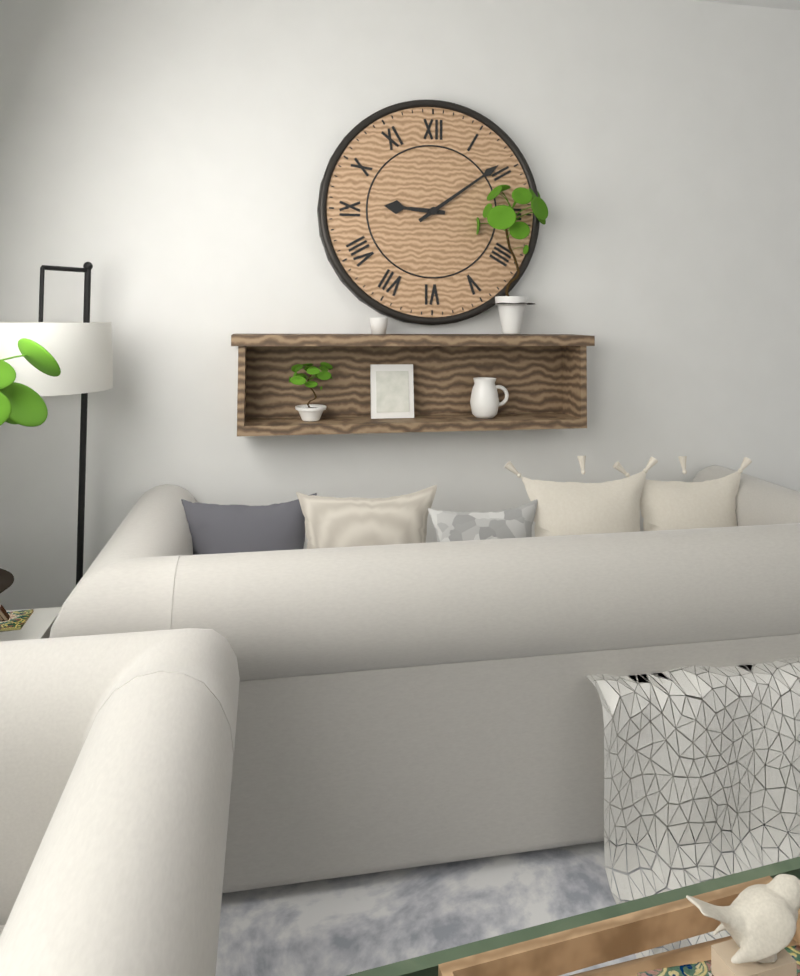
{"hour": 9, "minute": 9}
